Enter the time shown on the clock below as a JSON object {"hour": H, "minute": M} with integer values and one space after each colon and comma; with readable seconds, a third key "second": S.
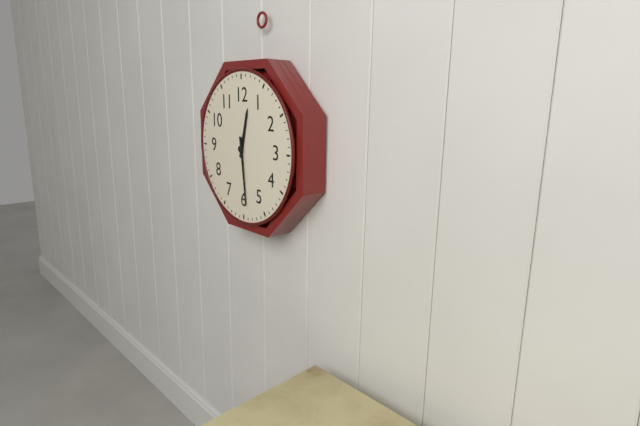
{"hour": 12, "minute": 29}
